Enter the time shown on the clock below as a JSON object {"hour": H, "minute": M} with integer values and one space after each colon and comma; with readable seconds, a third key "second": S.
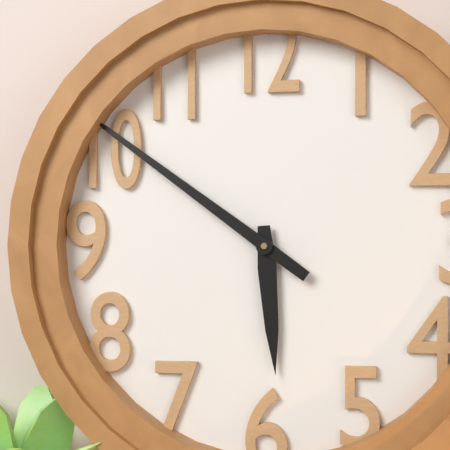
{"hour": 5, "minute": 51}
